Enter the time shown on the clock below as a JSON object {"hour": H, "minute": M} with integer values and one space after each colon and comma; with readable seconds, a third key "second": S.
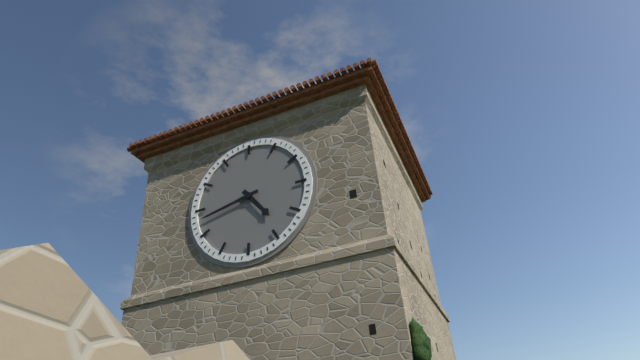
{"hour": 4, "minute": 43}
